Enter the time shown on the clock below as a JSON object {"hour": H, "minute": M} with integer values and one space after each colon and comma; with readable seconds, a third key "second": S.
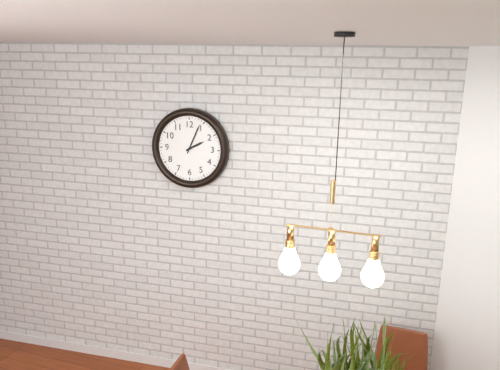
{"hour": 2, "minute": 4}
